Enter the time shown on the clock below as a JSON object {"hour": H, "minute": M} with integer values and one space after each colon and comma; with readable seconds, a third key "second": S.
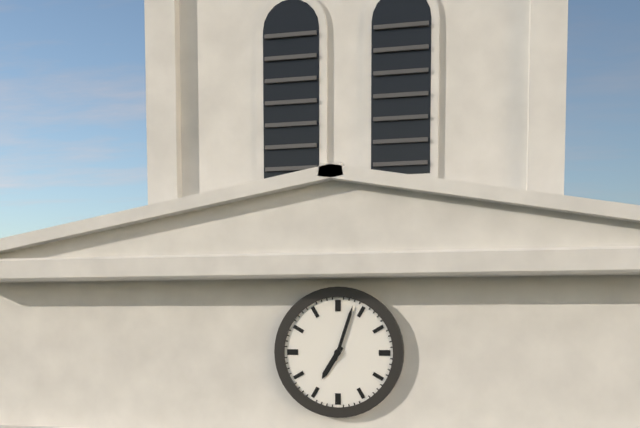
{"hour": 7, "minute": 3}
